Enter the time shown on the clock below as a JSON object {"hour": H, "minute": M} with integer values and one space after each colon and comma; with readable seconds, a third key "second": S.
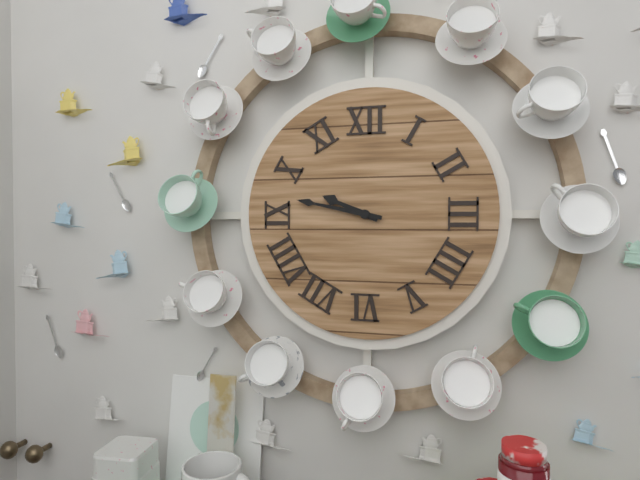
{"hour": 9, "minute": 47}
